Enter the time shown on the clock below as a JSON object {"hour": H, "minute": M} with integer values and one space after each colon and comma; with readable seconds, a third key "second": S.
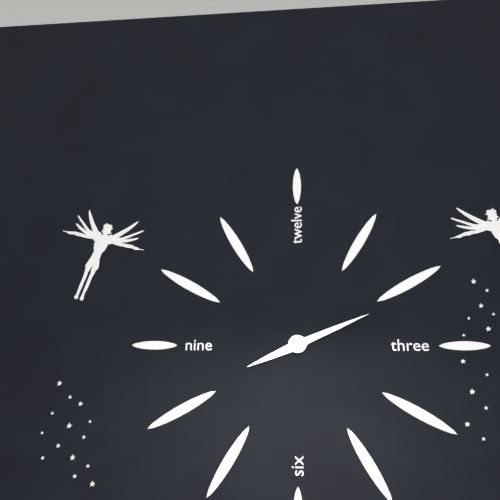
{"hour": 8, "minute": 11}
